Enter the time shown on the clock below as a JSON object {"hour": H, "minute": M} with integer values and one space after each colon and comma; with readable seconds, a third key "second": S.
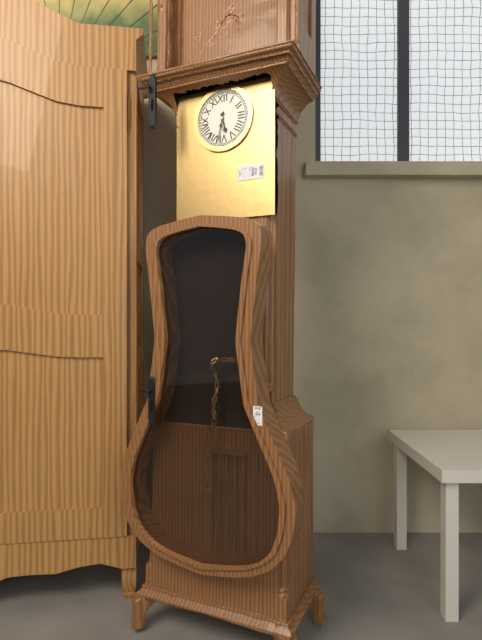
{"hour": 5, "minute": 32}
